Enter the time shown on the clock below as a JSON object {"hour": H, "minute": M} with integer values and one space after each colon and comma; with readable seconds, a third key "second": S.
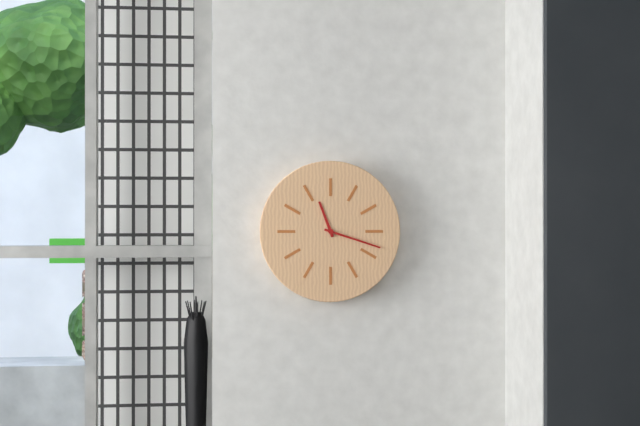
{"hour": 11, "minute": 18}
